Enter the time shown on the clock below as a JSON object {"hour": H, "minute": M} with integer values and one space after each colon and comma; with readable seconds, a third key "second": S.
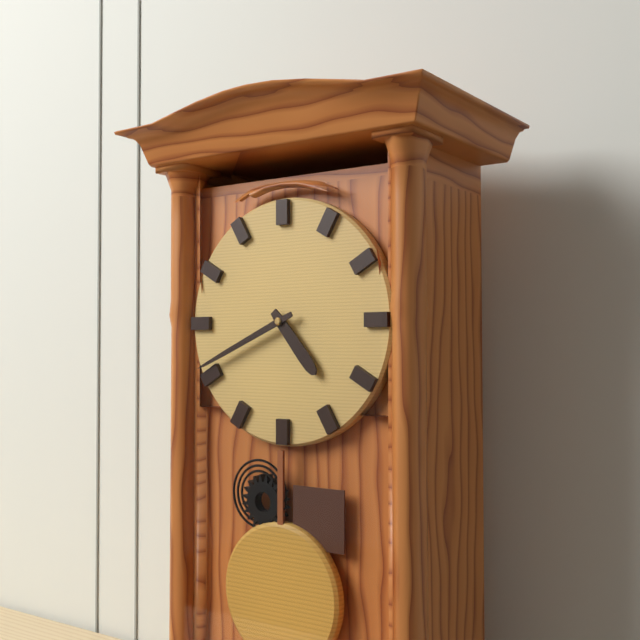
{"hour": 4, "minute": 41}
